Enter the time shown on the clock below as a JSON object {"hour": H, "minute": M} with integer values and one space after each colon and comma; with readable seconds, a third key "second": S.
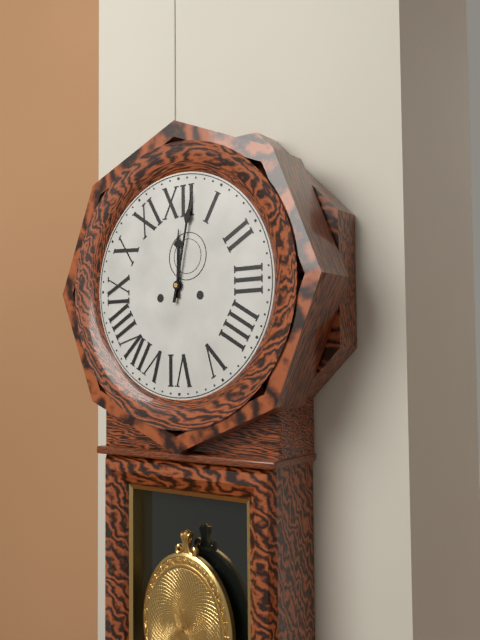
{"hour": 12, "minute": 2}
